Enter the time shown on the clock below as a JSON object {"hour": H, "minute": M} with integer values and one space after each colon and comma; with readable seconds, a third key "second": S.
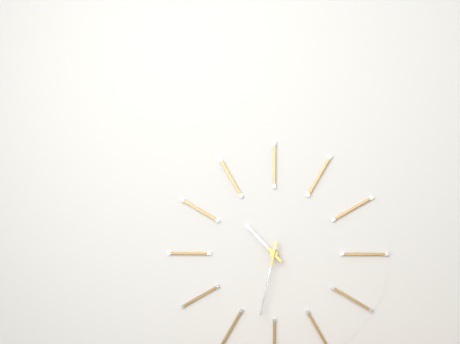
{"hour": 10, "minute": 32}
